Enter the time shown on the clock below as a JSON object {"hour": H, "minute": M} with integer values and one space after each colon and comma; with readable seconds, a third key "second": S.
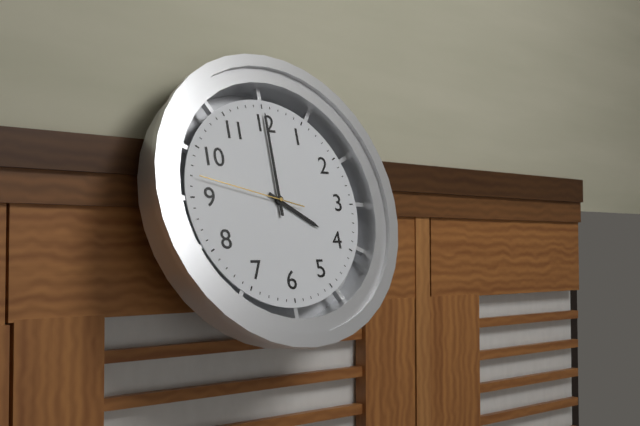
{"hour": 4, "minute": 0, "second": 47}
